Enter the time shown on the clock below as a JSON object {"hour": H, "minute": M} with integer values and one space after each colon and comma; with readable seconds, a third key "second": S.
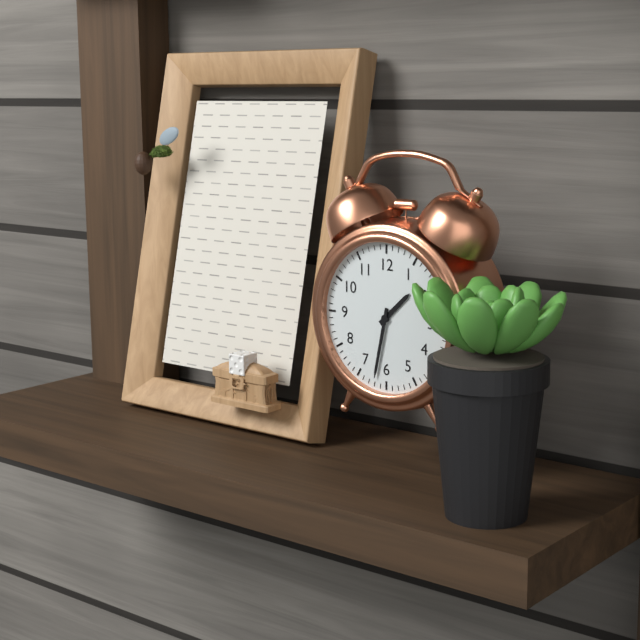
{"hour": 1, "minute": 32}
